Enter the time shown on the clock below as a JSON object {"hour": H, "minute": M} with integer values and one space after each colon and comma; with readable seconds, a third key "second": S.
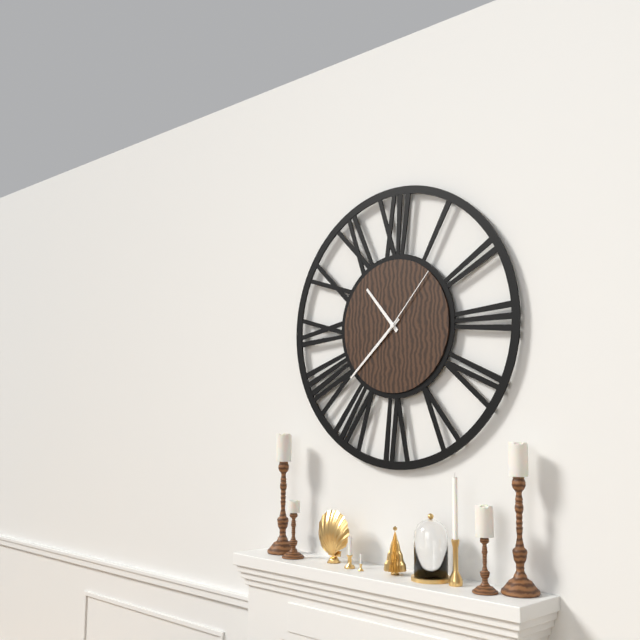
{"hour": 10, "minute": 38, "second": 7}
